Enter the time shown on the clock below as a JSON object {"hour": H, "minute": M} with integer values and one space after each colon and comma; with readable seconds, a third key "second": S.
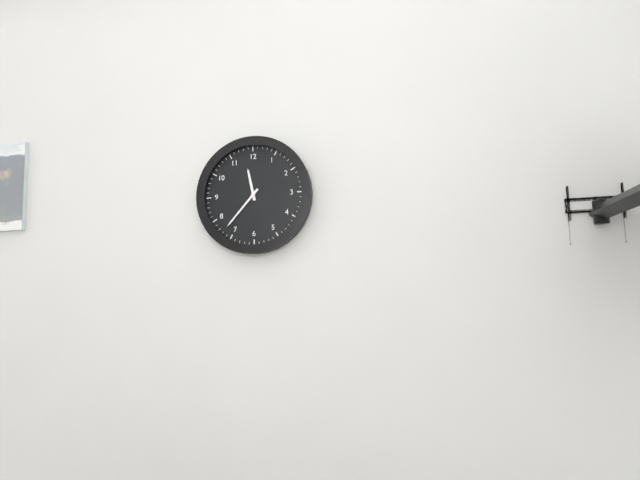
{"hour": 11, "minute": 37}
